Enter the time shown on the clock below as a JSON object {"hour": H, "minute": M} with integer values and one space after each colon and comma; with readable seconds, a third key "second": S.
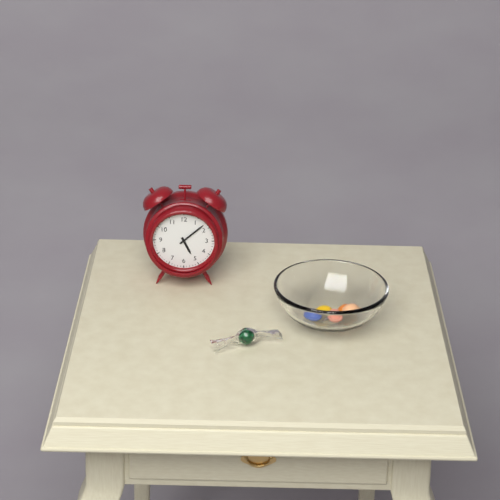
{"hour": 5, "minute": 8}
